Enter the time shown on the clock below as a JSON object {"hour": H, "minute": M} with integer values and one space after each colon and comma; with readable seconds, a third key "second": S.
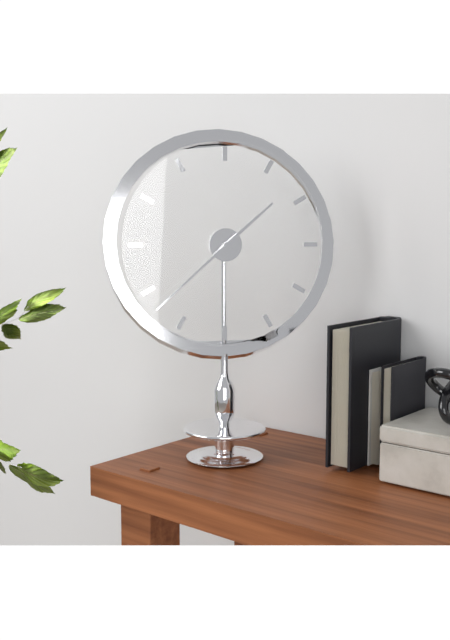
{"hour": 1, "minute": 38}
